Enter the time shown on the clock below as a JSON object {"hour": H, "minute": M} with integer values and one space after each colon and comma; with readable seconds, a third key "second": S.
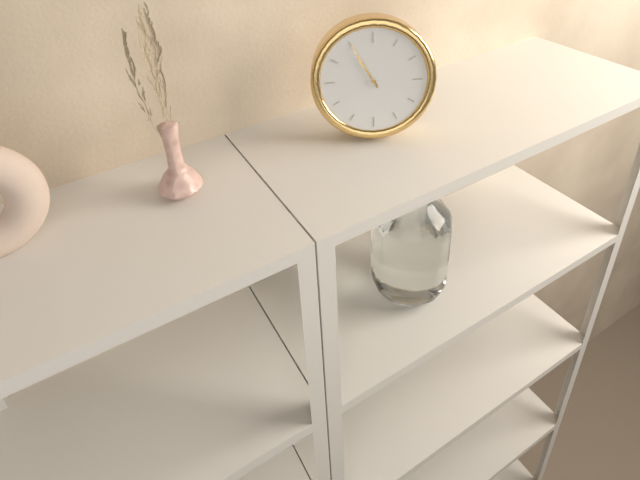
{"hour": 10, "minute": 55}
